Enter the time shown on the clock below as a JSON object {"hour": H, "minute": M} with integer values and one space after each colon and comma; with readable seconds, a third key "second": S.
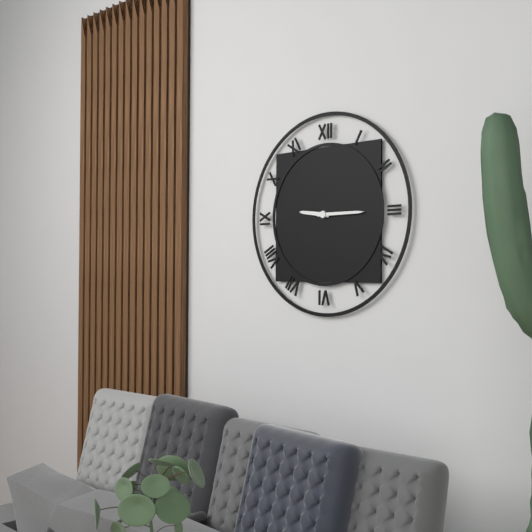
{"hour": 9, "minute": 15}
